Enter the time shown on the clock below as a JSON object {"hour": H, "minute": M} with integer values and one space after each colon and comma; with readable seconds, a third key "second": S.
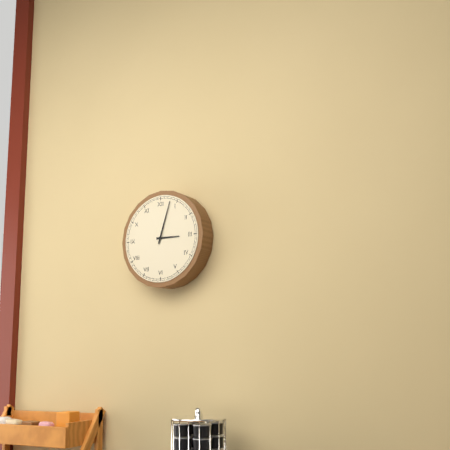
{"hour": 3, "minute": 3}
